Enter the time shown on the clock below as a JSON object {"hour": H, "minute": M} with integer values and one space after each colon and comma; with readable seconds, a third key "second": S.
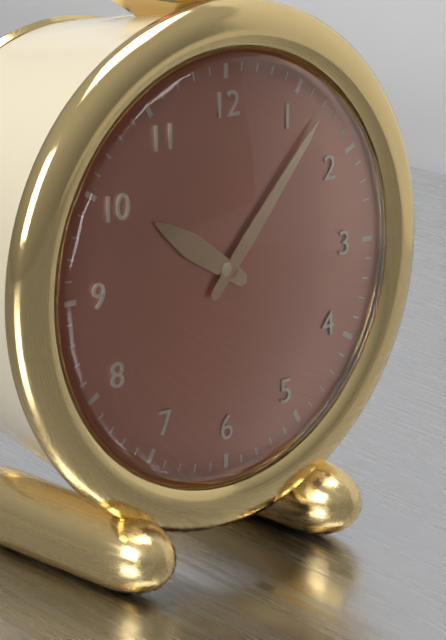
{"hour": 10, "minute": 7}
